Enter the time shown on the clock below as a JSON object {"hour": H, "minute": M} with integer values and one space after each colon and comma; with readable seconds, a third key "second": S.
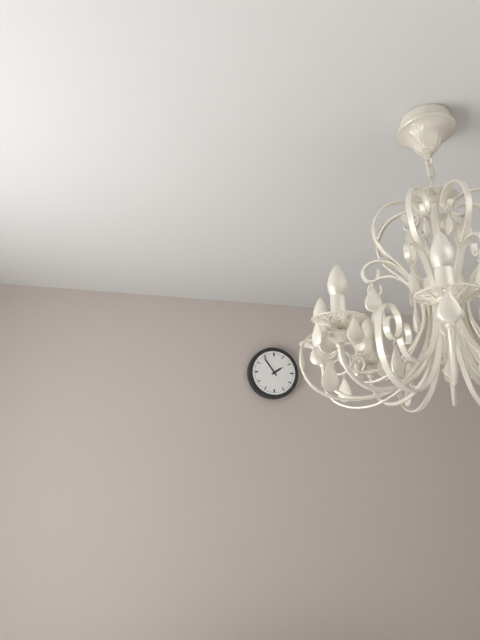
{"hour": 1, "minute": 54}
